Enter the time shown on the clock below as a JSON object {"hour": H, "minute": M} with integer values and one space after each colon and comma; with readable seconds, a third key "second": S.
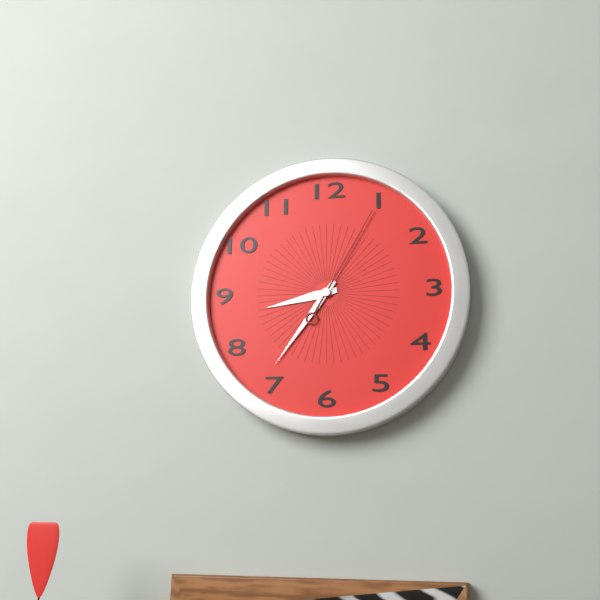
{"hour": 8, "minute": 36, "second": 5}
